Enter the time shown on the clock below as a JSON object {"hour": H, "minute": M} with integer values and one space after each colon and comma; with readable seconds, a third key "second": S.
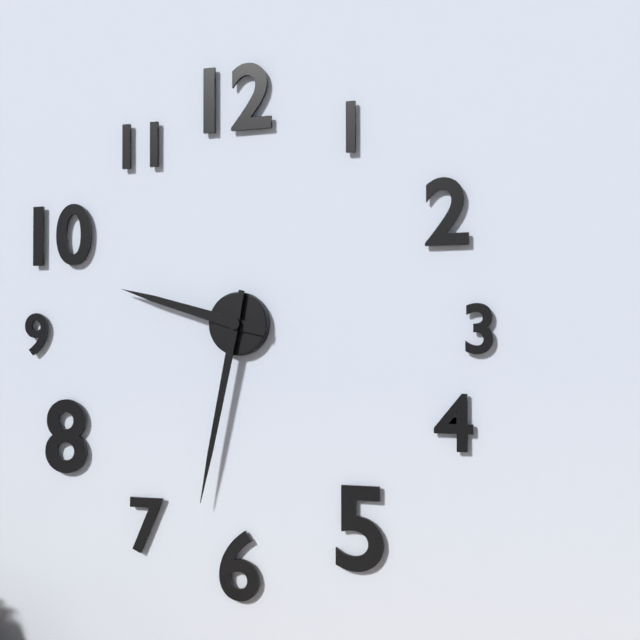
{"hour": 9, "minute": 32}
